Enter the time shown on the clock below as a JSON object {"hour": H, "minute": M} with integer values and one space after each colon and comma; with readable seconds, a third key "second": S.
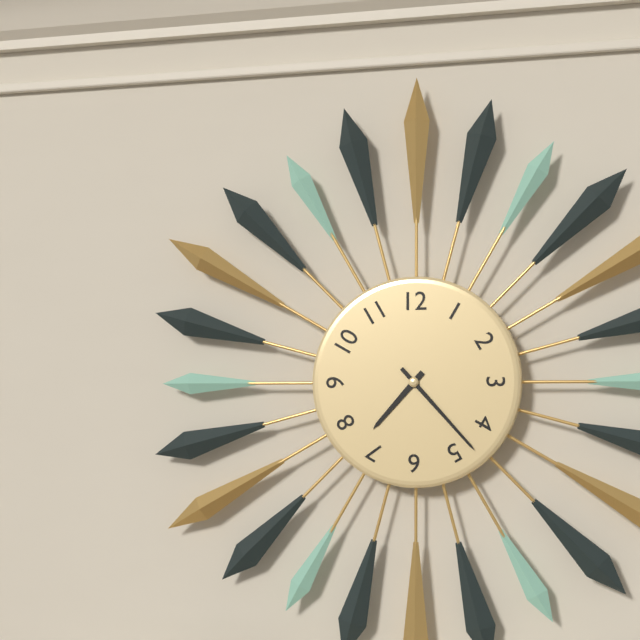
{"hour": 7, "minute": 23}
